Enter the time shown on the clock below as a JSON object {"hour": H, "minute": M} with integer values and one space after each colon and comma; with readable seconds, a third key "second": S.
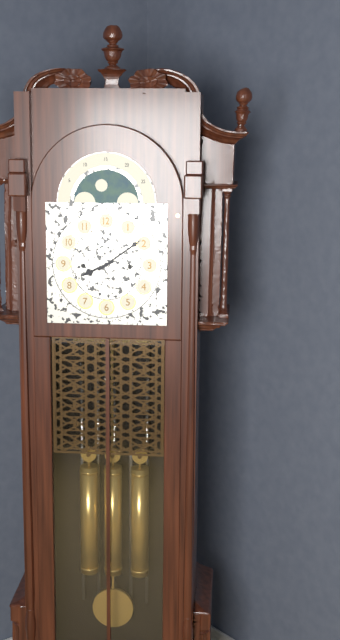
{"hour": 8, "minute": 9}
